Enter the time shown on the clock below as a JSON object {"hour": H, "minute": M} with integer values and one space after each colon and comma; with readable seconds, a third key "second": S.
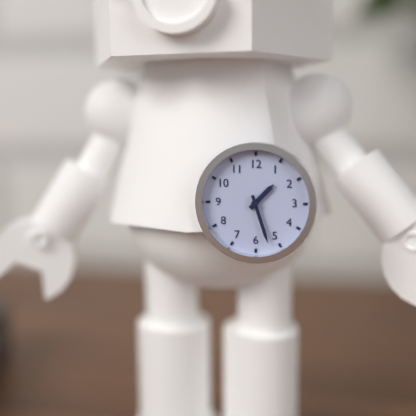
{"hour": 1, "minute": 27}
